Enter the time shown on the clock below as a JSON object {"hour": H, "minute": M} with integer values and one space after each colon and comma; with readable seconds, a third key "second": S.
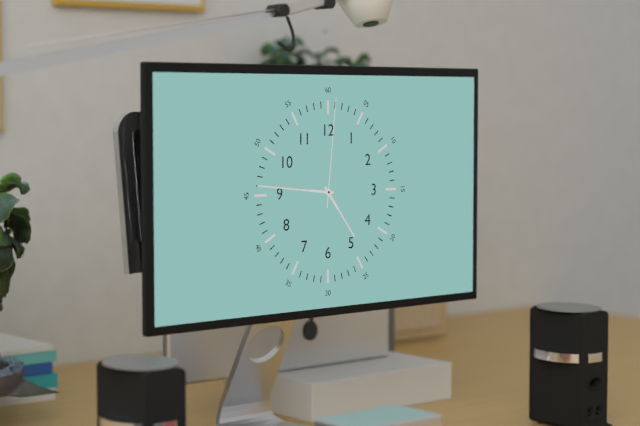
{"hour": 4, "minute": 46, "second": 1}
